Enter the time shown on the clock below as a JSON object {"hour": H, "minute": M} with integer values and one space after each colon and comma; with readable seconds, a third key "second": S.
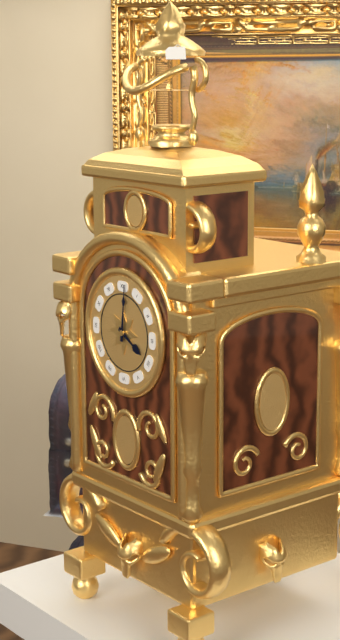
{"hour": 4, "minute": 1}
